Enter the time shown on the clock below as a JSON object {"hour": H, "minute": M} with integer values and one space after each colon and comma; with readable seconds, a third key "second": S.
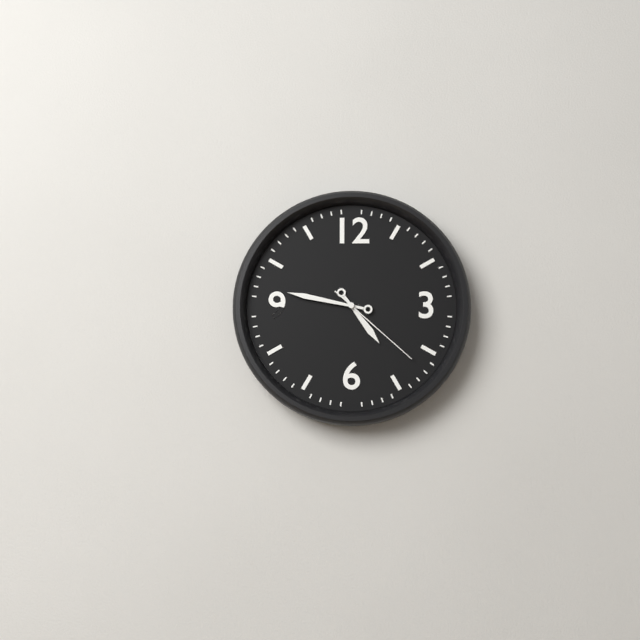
{"hour": 4, "minute": 47, "second": 22}
